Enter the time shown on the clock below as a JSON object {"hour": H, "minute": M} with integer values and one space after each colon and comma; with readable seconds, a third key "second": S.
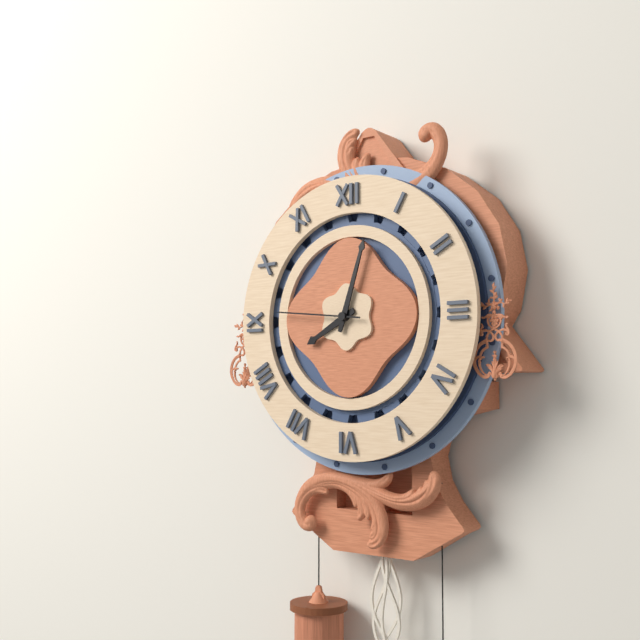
{"hour": 8, "minute": 3, "second": 46}
